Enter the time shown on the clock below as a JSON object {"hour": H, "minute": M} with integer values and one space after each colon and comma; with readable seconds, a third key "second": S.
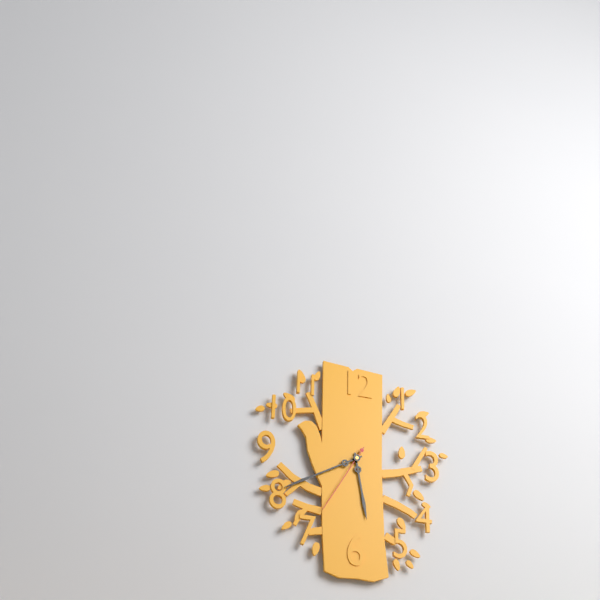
{"hour": 5, "minute": 40, "second": 35}
